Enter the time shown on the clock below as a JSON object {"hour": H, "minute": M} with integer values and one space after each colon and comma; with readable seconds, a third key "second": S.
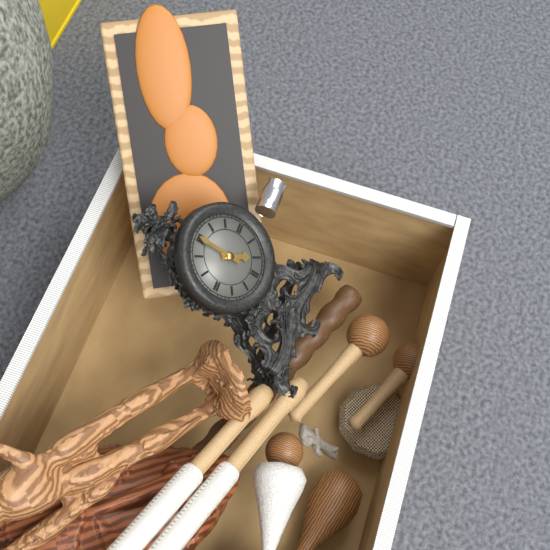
{"hour": 5, "minute": 0}
